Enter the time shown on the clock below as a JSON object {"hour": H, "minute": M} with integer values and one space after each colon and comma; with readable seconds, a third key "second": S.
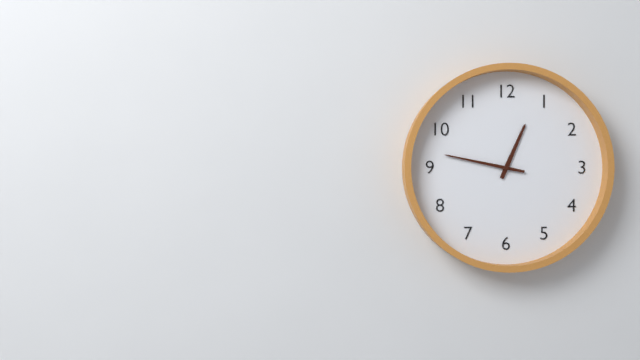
{"hour": 12, "minute": 47}
